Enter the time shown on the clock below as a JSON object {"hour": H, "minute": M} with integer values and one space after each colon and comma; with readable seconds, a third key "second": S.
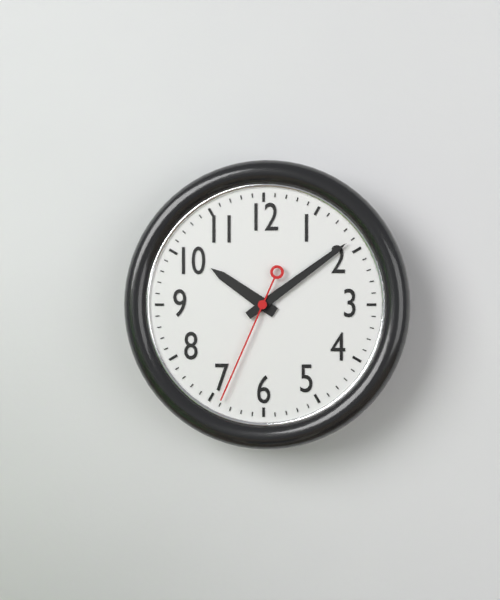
{"hour": 10, "minute": 9, "second": 34}
